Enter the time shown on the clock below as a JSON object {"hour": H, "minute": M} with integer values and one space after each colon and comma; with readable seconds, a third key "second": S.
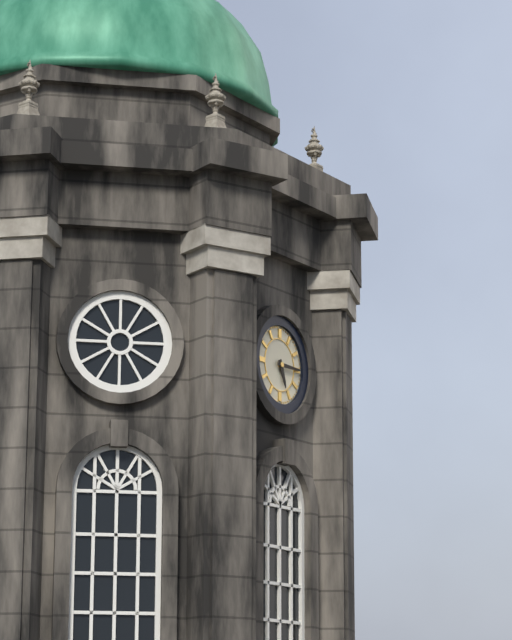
{"hour": 5, "minute": 15}
